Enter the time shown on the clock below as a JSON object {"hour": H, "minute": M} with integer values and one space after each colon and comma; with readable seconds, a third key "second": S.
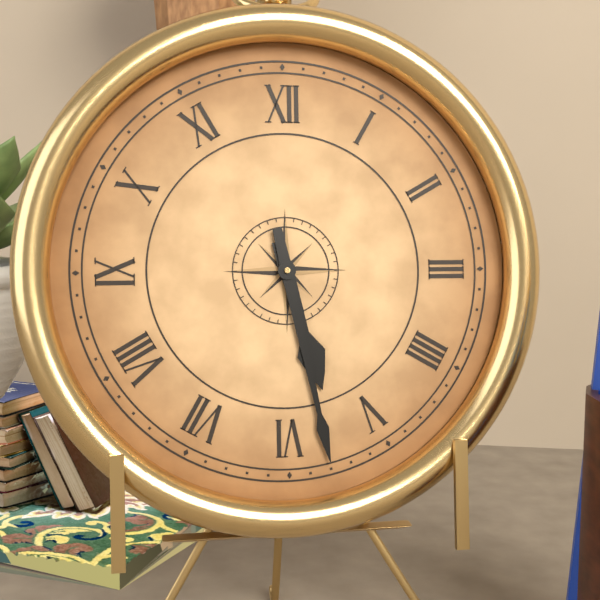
{"hour": 5, "minute": 28}
